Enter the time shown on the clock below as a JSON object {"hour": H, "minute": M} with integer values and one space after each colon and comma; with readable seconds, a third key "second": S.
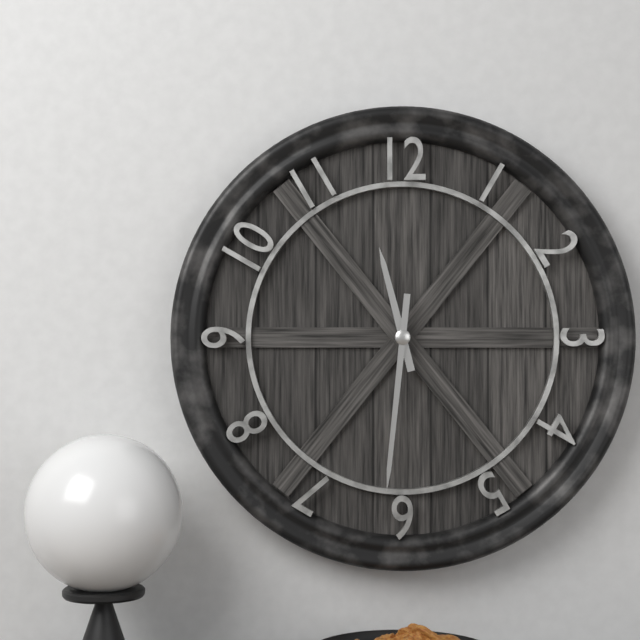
{"hour": 11, "minute": 31}
